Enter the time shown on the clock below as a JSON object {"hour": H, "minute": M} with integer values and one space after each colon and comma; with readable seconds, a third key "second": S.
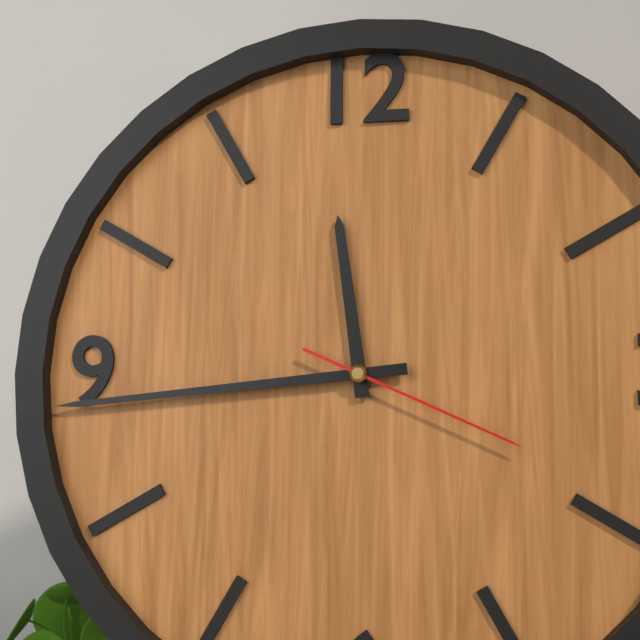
{"hour": 11, "minute": 44, "second": 19}
